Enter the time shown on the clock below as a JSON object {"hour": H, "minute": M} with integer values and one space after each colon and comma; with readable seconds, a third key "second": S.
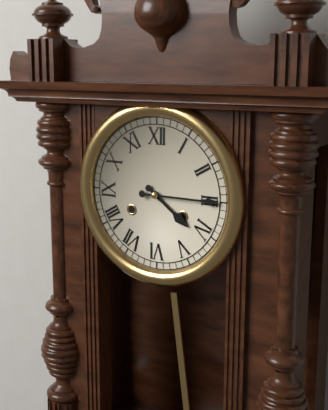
{"hour": 4, "minute": 15}
